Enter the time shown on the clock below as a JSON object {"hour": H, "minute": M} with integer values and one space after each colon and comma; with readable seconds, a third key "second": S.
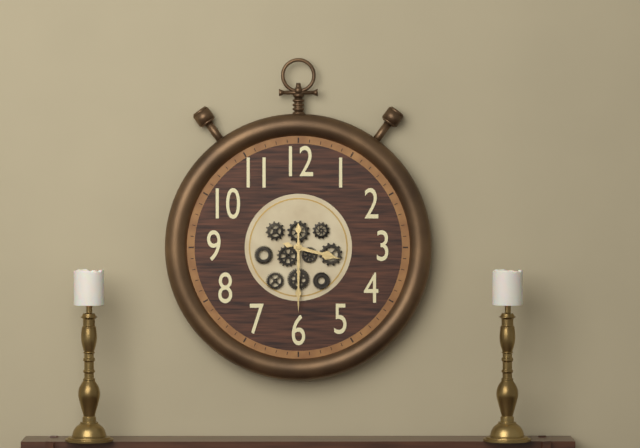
{"hour": 3, "minute": 30}
